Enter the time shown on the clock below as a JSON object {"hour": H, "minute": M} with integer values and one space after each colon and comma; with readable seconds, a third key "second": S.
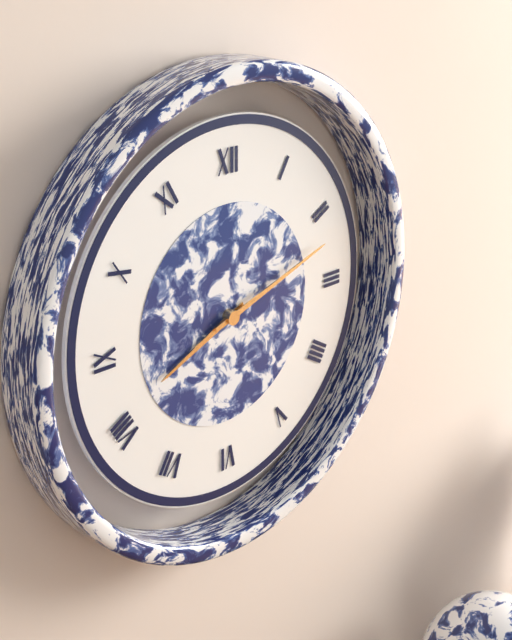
{"hour": 8, "minute": 12}
